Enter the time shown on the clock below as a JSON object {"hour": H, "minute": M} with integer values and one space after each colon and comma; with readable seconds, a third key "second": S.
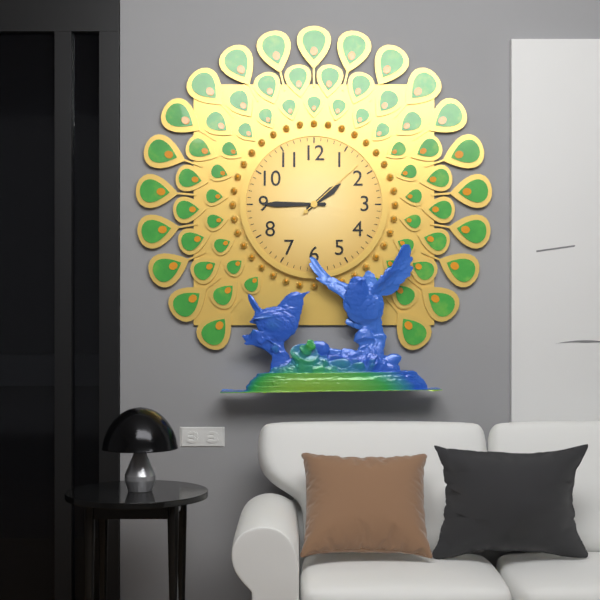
{"hour": 1, "minute": 45, "second": 8}
